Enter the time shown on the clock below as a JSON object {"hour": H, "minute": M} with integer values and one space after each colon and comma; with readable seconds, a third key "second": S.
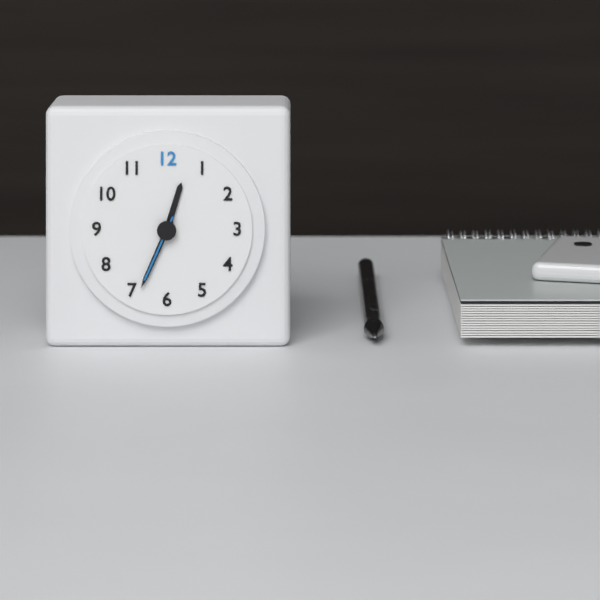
{"hour": 12, "minute": 34, "second": 34}
